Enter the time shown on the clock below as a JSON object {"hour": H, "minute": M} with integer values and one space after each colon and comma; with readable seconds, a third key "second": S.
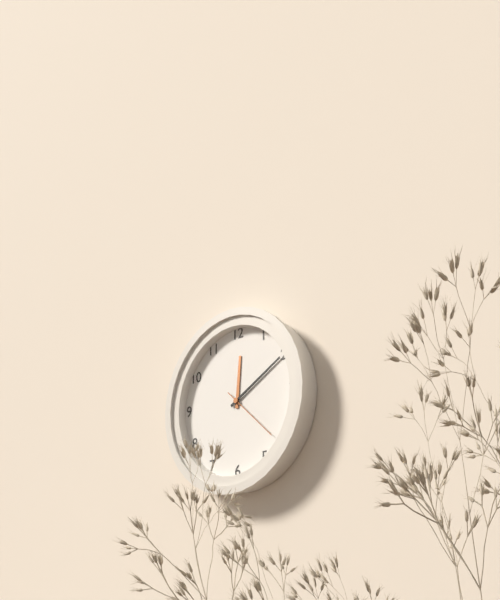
{"hour": 12, "minute": 10, "second": 22}
